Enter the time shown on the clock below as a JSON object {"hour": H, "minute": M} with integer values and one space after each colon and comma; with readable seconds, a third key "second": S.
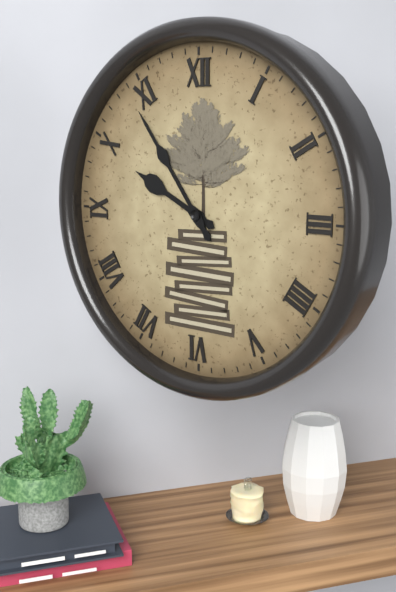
{"hour": 9, "minute": 54}
